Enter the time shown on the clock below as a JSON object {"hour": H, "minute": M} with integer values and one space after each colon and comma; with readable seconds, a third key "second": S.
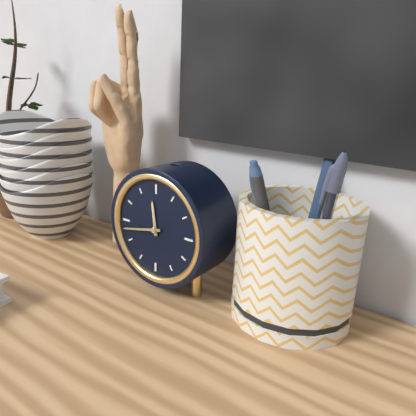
{"hour": 11, "minute": 43}
